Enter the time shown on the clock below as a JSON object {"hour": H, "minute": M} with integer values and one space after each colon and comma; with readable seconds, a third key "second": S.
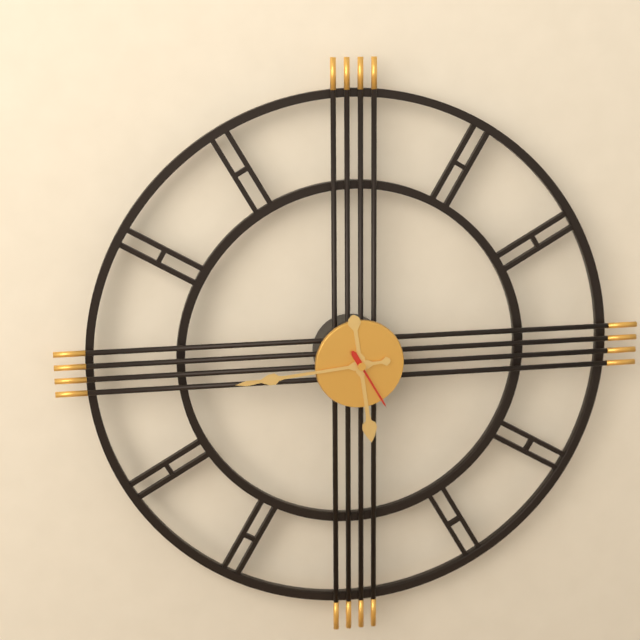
{"hour": 5, "minute": 44, "second": 25}
